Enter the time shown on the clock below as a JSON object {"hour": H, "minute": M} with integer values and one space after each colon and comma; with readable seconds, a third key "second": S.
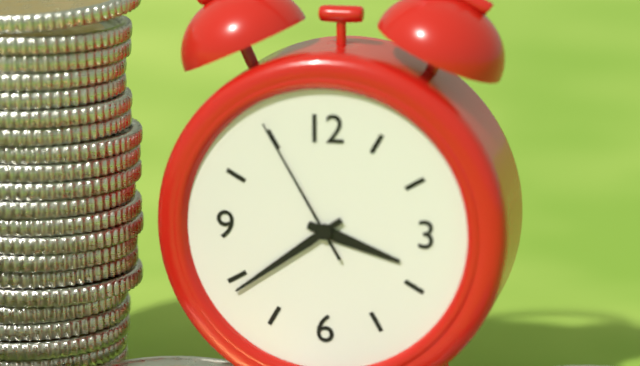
{"hour": 3, "minute": 39, "second": 55}
